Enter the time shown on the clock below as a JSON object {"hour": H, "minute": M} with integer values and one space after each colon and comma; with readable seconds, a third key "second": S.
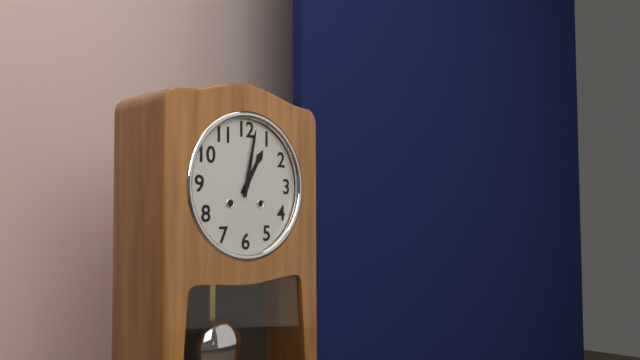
{"hour": 1, "minute": 2}
